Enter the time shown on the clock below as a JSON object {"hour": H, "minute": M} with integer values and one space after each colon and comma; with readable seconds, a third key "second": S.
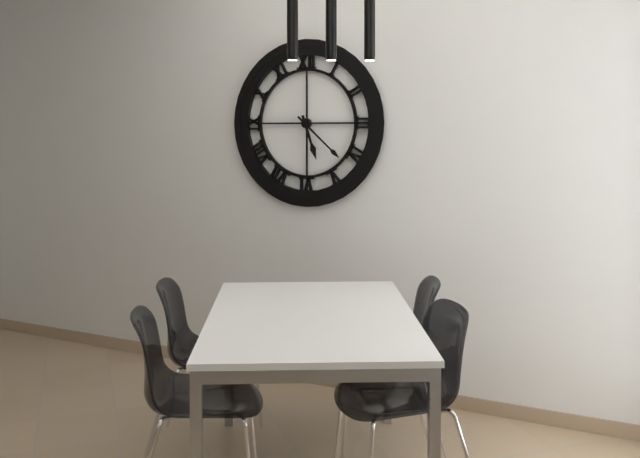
{"hour": 5, "minute": 22}
